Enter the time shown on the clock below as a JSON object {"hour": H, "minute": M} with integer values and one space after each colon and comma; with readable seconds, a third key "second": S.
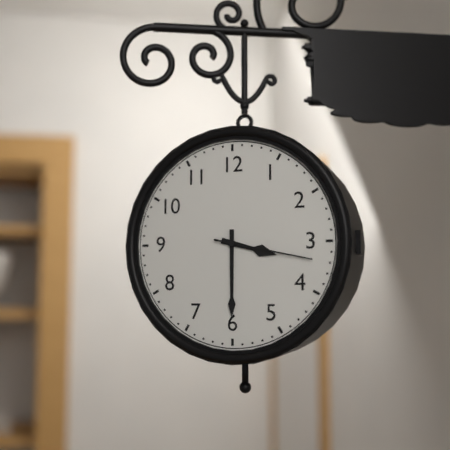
{"hour": 3, "minute": 30, "second": 17}
